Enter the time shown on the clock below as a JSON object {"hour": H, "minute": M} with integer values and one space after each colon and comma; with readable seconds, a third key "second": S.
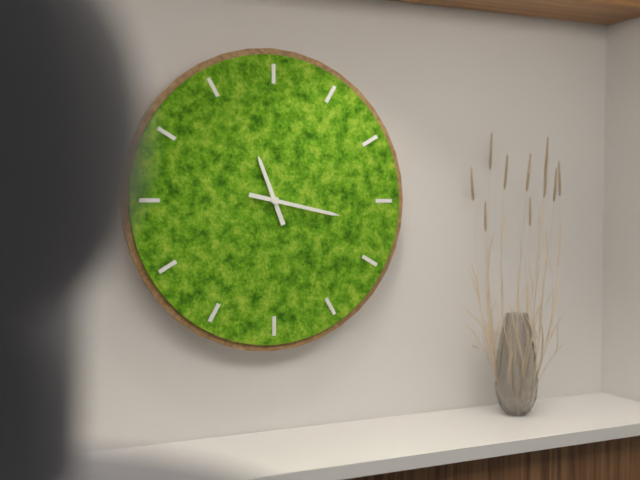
{"hour": 11, "minute": 17}
